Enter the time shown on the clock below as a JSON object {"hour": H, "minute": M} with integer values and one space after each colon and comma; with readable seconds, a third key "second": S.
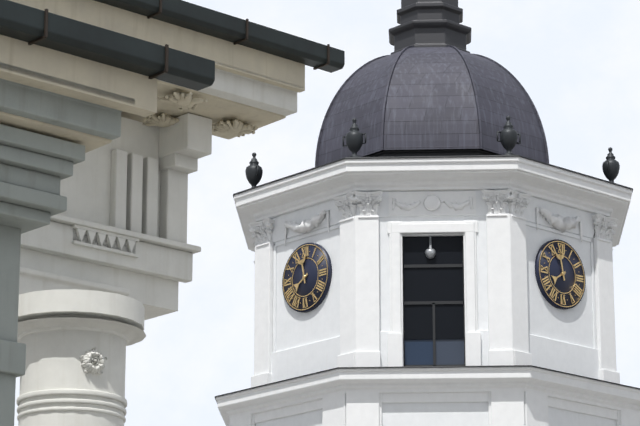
{"hour": 7, "minute": 58}
